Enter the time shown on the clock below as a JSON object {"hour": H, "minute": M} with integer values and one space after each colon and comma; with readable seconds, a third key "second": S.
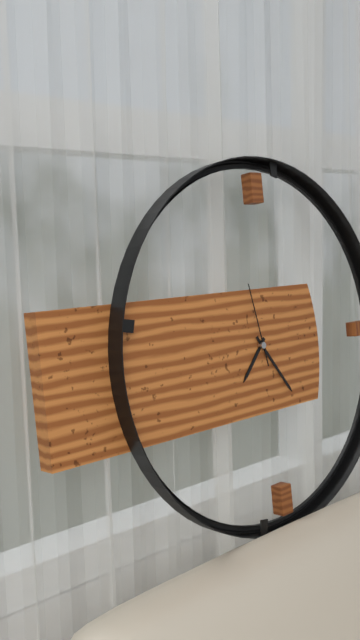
{"hour": 7, "minute": 24, "second": 58}
